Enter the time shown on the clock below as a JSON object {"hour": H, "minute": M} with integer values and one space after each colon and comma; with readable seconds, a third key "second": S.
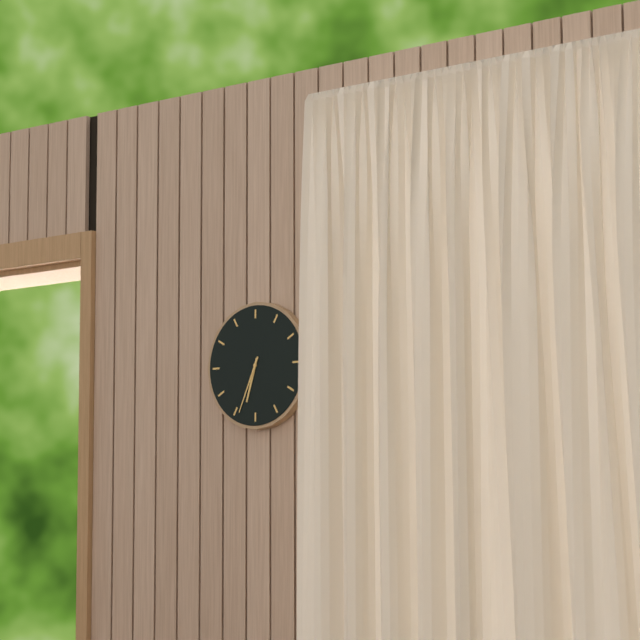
{"hour": 6, "minute": 34}
